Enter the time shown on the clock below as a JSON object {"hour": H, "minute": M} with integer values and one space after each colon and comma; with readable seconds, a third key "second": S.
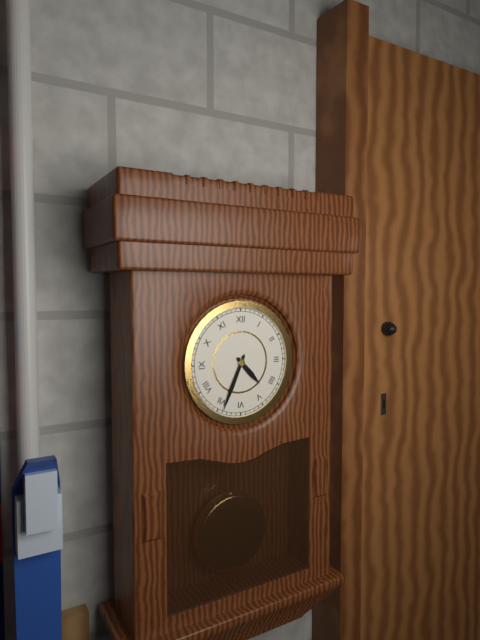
{"hour": 4, "minute": 34}
